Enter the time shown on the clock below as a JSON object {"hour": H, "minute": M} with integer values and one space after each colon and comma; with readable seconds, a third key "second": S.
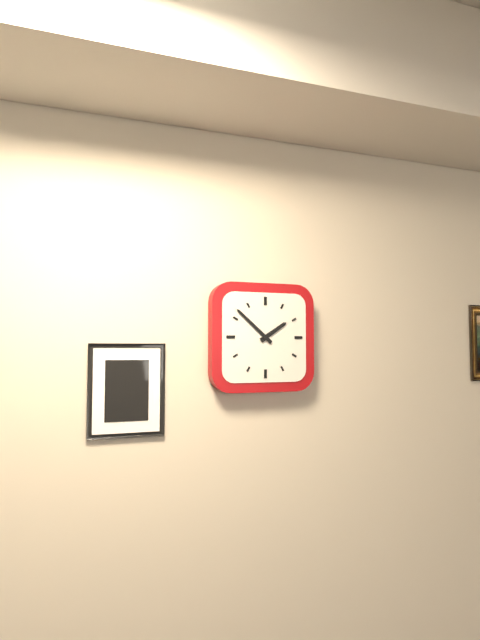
{"hour": 1, "minute": 52}
